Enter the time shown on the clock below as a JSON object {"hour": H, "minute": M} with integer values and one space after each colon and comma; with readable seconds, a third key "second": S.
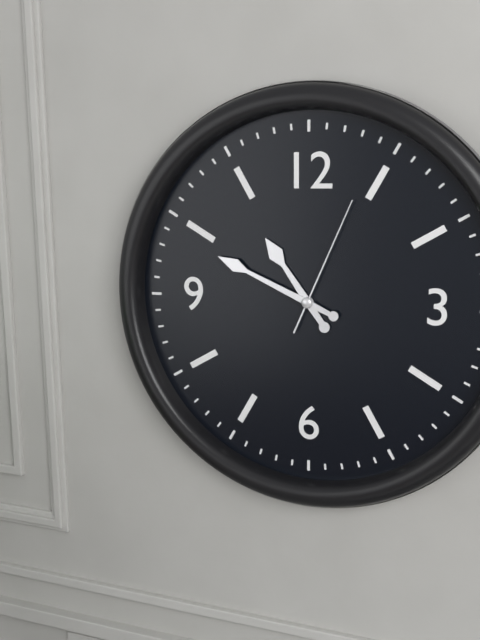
{"hour": 10, "minute": 49, "second": 4}
